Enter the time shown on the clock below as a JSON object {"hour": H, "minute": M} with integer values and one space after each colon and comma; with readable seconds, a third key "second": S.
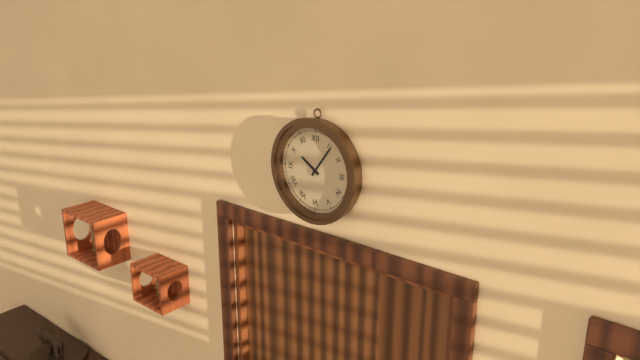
{"hour": 10, "minute": 6}
